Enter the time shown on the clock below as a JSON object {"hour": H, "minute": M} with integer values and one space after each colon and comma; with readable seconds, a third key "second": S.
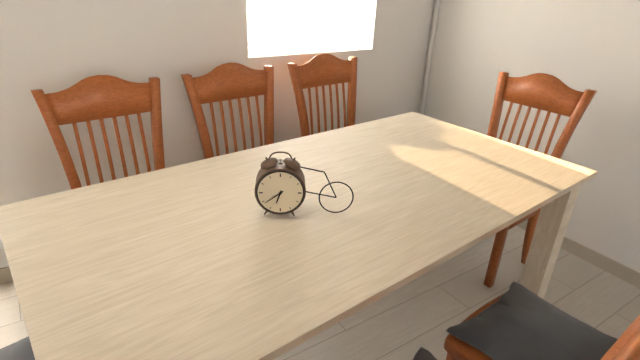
{"hour": 6, "minute": 39}
